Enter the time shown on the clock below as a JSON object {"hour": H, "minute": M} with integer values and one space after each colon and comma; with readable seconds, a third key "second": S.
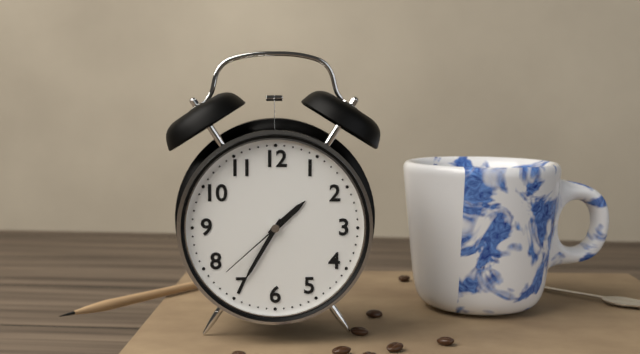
{"hour": 1, "minute": 35, "second": 38}
